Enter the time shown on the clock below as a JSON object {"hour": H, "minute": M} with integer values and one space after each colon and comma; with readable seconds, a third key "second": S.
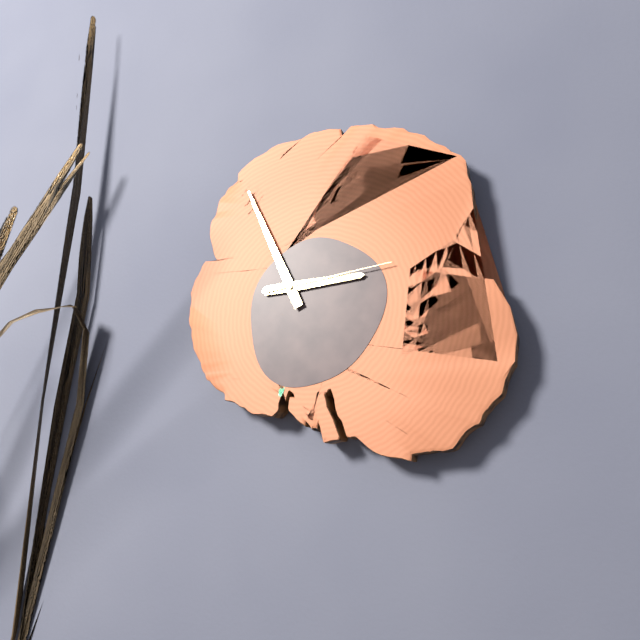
{"hour": 2, "minute": 56, "second": 14}
